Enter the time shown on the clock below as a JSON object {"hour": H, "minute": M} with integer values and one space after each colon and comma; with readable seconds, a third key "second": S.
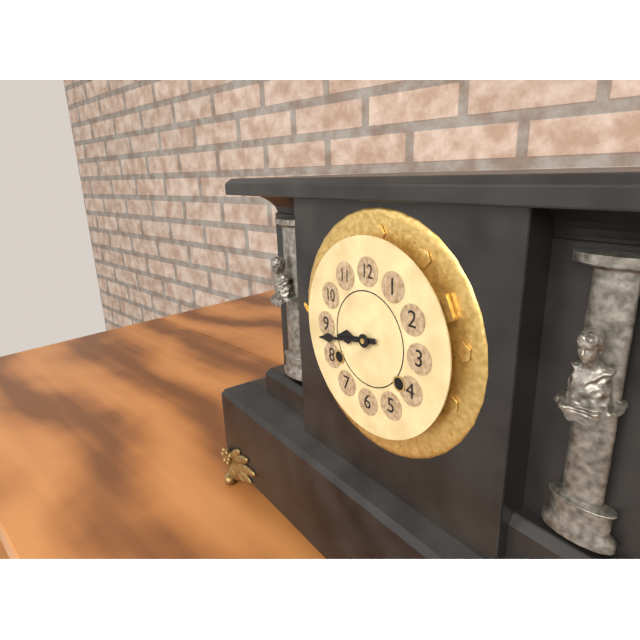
{"hour": 8, "minute": 43}
